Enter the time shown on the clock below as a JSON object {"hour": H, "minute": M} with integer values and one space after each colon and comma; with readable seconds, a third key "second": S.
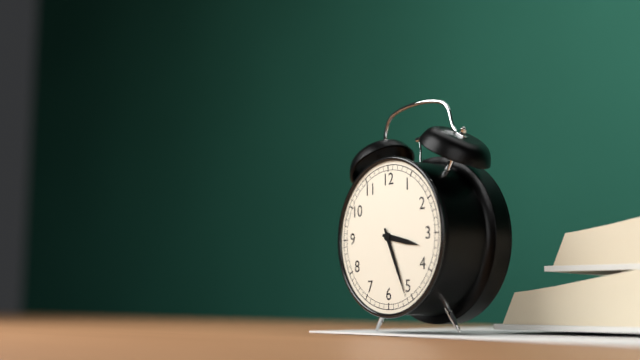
{"hour": 3, "minute": 26}
